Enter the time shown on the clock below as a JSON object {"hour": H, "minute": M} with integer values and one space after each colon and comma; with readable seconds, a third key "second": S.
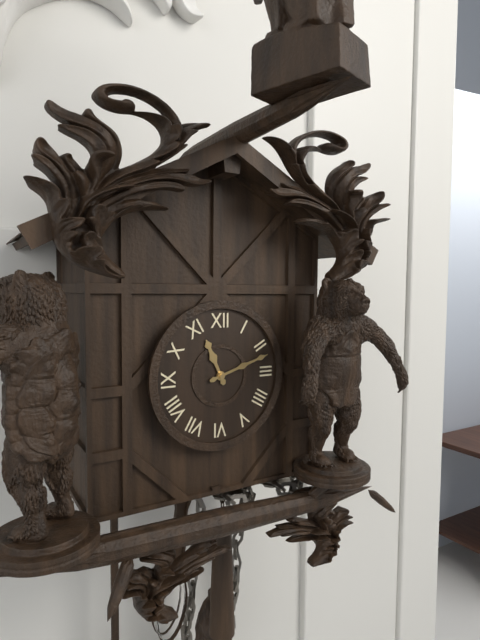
{"hour": 11, "minute": 12}
